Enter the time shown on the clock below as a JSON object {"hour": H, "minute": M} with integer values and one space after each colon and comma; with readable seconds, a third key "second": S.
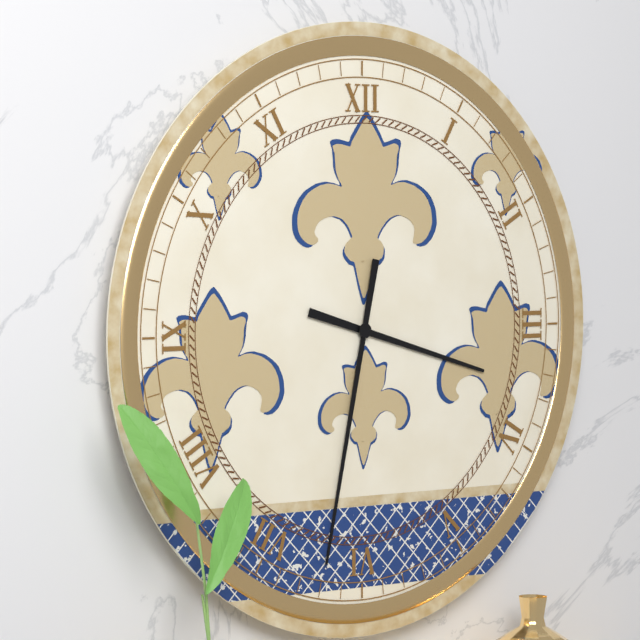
{"hour": 3, "minute": 32}
